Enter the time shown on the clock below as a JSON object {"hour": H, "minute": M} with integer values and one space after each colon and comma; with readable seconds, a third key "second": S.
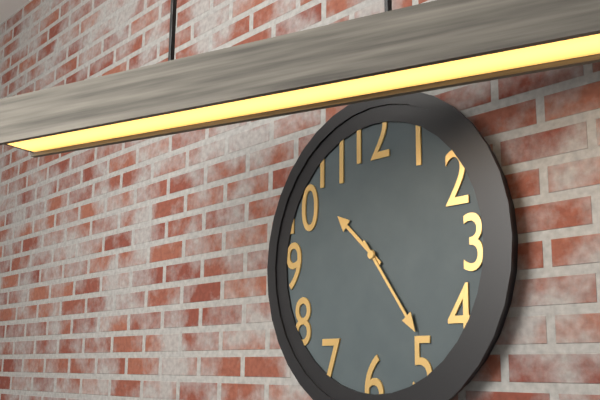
{"hour": 10, "minute": 24}
